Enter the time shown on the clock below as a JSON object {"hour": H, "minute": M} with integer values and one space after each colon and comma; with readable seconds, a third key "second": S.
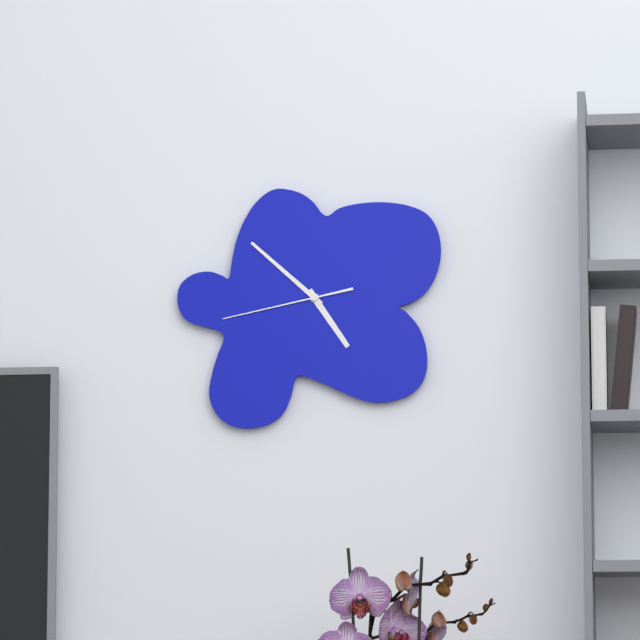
{"hour": 4, "minute": 52, "second": 43}
